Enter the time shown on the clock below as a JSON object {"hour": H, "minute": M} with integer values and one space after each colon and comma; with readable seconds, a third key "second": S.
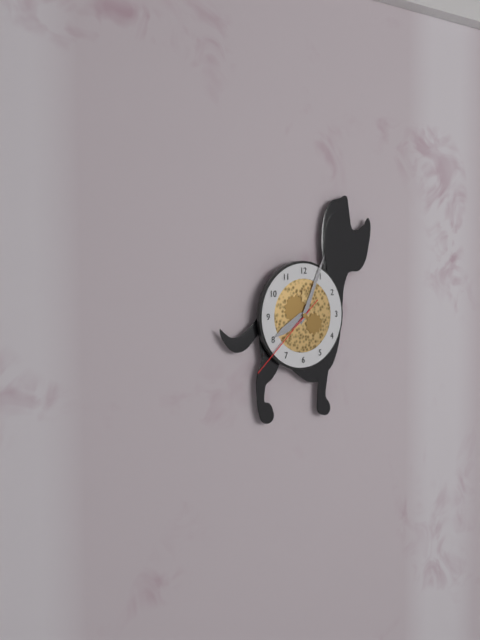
{"hour": 8, "minute": 4, "second": 38}
